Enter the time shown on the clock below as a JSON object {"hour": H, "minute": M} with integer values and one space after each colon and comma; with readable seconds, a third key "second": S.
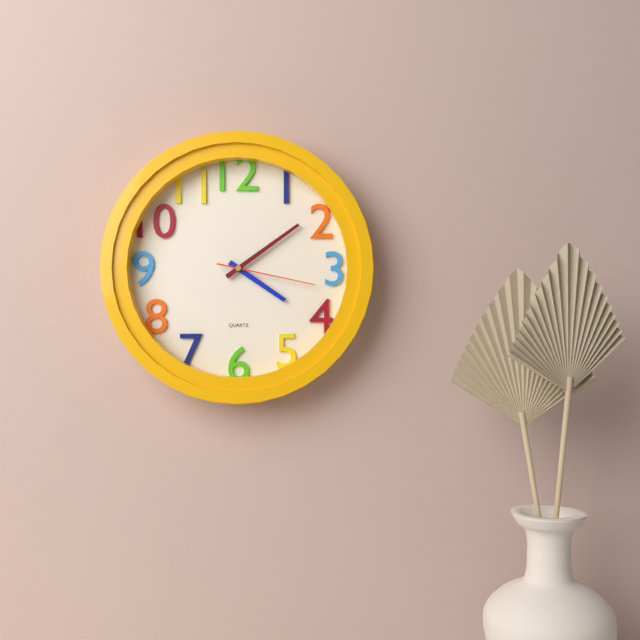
{"hour": 4, "minute": 9, "second": 17}
